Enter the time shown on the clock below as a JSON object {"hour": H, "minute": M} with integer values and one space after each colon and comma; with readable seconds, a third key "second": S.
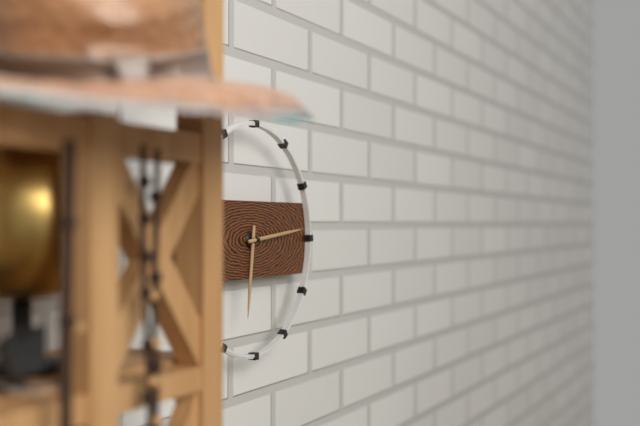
{"hour": 6, "minute": 14}
